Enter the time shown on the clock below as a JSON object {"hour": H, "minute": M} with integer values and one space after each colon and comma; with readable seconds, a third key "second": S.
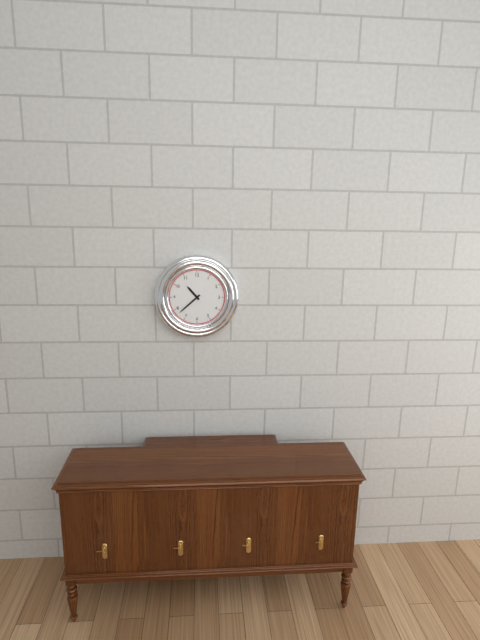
{"hour": 10, "minute": 38}
